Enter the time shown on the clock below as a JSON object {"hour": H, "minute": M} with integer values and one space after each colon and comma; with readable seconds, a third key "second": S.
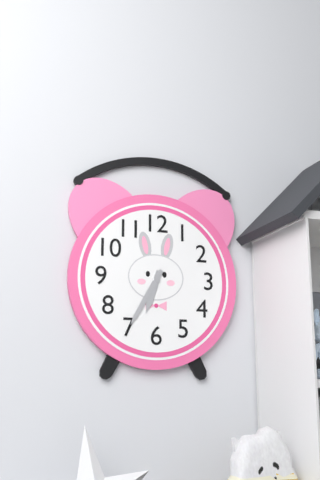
{"hour": 6, "minute": 35}
